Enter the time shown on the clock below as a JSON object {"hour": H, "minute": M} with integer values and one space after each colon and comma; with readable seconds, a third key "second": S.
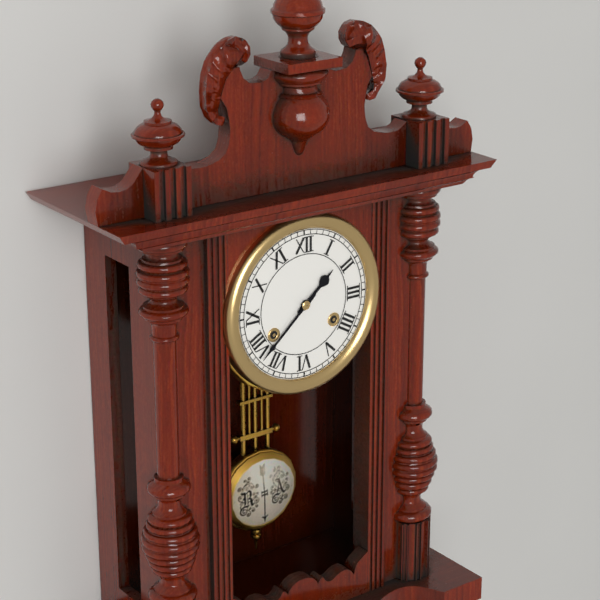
{"hour": 1, "minute": 38}
